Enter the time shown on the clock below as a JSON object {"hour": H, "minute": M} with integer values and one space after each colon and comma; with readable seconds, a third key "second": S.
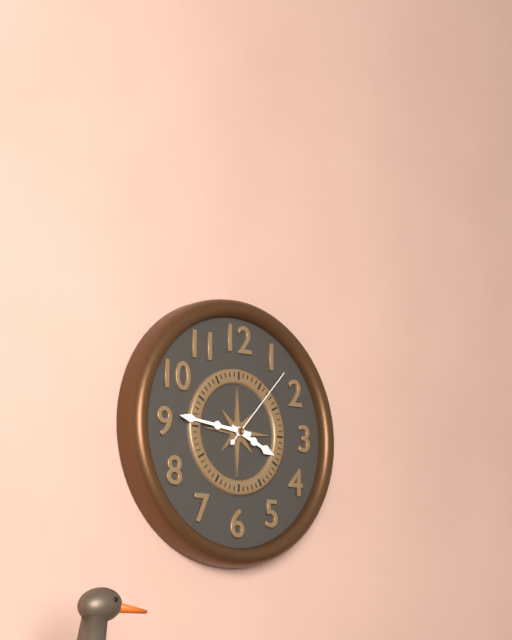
{"hour": 3, "minute": 46, "second": 7}
